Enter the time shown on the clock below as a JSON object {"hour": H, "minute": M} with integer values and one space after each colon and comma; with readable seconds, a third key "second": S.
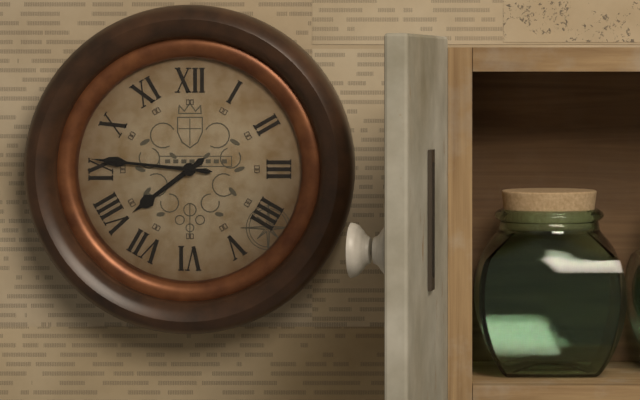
{"hour": 7, "minute": 46}
